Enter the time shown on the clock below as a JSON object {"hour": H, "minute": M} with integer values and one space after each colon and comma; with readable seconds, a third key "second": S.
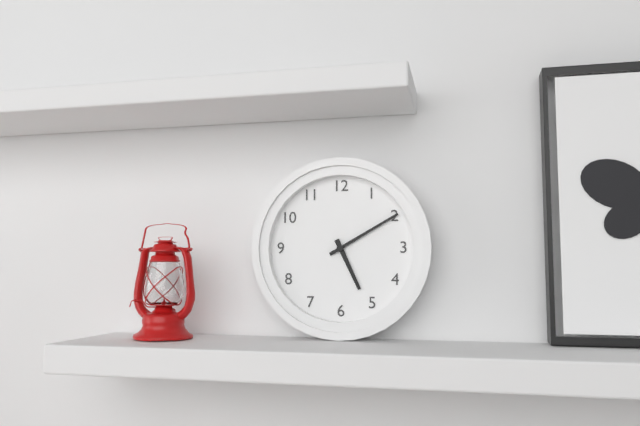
{"hour": 5, "minute": 10}
